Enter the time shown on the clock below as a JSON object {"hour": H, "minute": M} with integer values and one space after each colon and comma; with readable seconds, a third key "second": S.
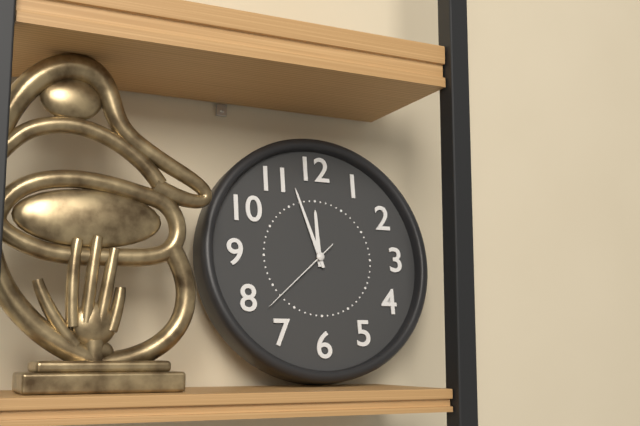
{"hour": 11, "minute": 57, "second": 38}
